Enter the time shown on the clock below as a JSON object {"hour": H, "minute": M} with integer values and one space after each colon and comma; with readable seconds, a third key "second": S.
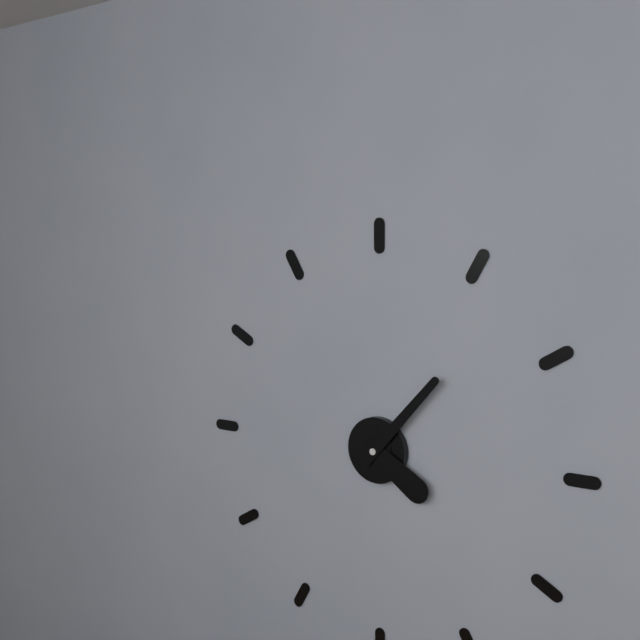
{"hour": 4, "minute": 7}
